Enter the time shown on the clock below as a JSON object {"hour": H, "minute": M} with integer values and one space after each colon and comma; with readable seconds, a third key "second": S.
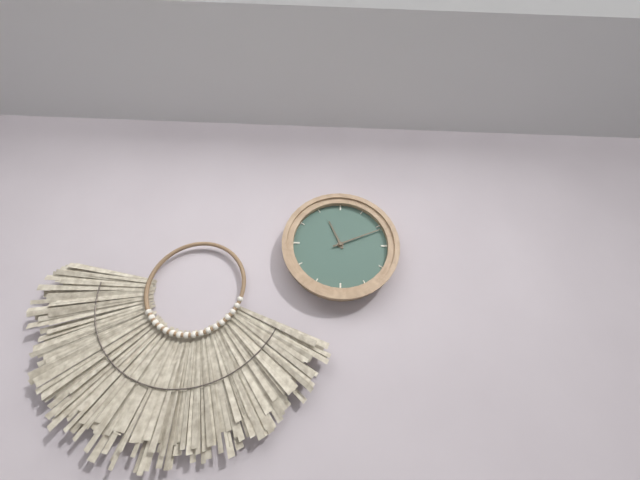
{"hour": 11, "minute": 11}
